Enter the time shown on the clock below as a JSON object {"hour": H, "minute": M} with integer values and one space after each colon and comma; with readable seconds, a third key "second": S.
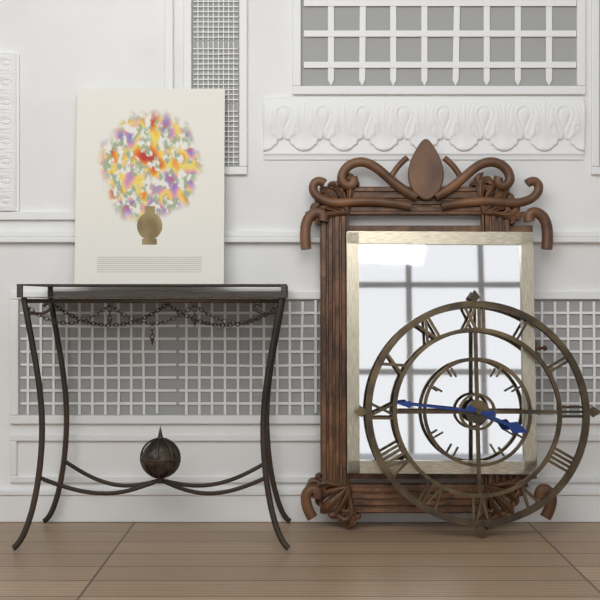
{"hour": 3, "minute": 46}
